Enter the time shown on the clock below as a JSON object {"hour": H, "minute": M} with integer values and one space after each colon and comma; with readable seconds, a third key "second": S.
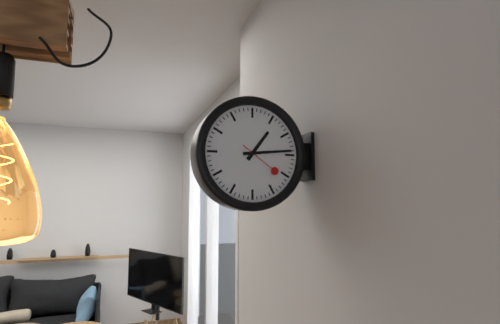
{"hour": 1, "minute": 14}
